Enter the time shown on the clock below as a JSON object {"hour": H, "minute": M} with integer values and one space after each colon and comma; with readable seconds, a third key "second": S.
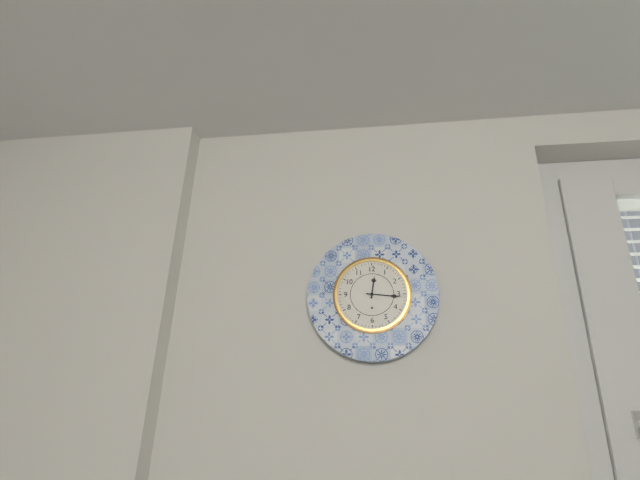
{"hour": 12, "minute": 16}
